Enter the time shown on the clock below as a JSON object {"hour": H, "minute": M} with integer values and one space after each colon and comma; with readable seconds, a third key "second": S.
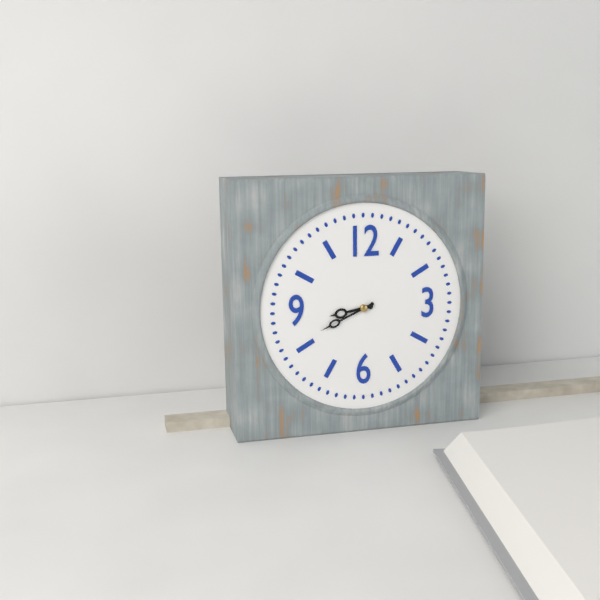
{"hour": 8, "minute": 41}
